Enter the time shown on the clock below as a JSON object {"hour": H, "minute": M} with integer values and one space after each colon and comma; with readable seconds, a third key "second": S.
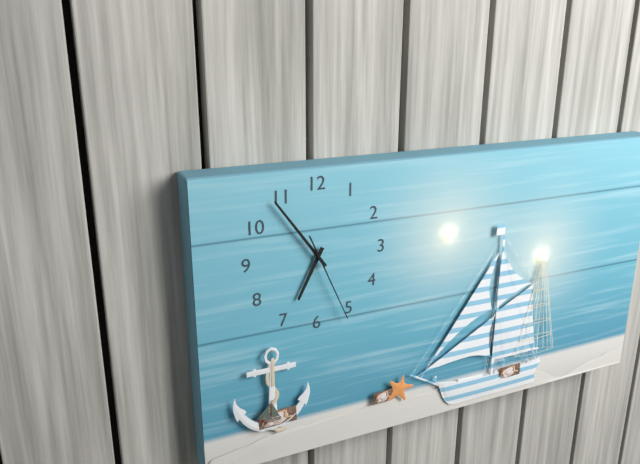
{"hour": 6, "minute": 54, "second": 26}
